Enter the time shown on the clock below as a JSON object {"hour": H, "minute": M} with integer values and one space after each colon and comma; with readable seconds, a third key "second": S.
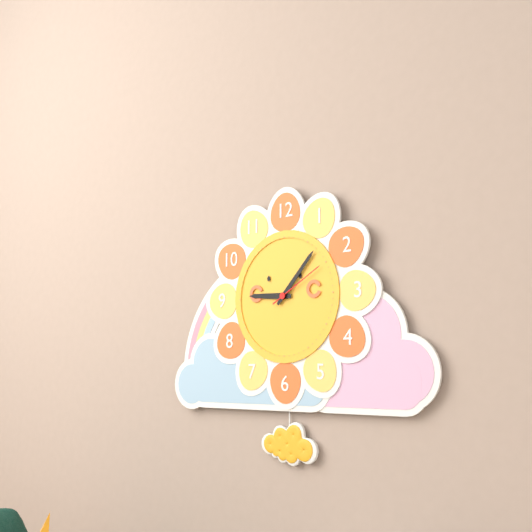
{"hour": 9, "minute": 7, "second": 10}
